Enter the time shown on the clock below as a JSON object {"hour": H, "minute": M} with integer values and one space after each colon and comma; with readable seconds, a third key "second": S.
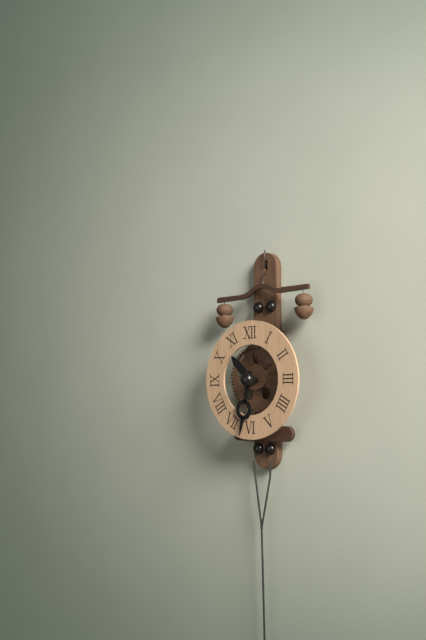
{"hour": 10, "minute": 32}
